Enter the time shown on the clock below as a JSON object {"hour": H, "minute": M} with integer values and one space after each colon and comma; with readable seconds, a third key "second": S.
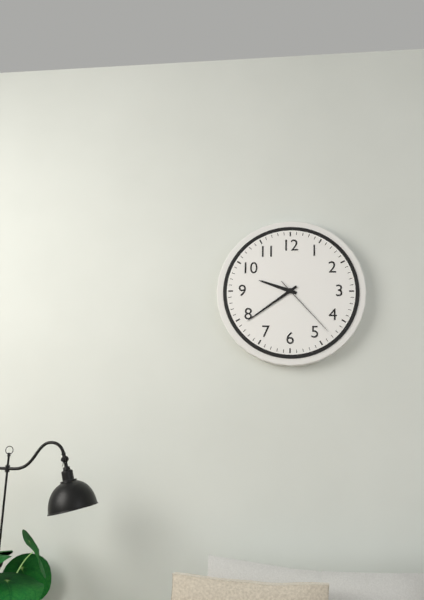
{"hour": 9, "minute": 39, "second": 23}
